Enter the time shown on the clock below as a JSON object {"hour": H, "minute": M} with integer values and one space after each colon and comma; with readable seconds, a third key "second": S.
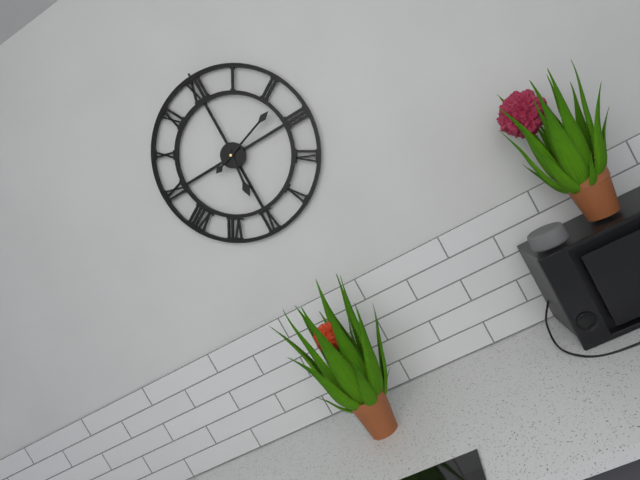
{"hour": 6, "minute": 12}
